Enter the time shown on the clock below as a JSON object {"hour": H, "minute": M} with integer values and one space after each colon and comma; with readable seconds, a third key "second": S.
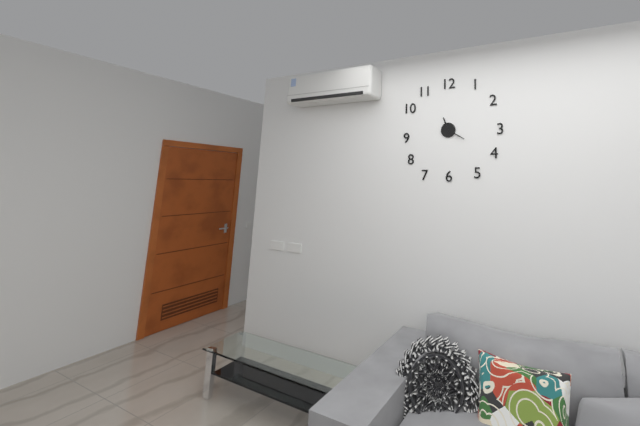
{"hour": 11, "minute": 20}
